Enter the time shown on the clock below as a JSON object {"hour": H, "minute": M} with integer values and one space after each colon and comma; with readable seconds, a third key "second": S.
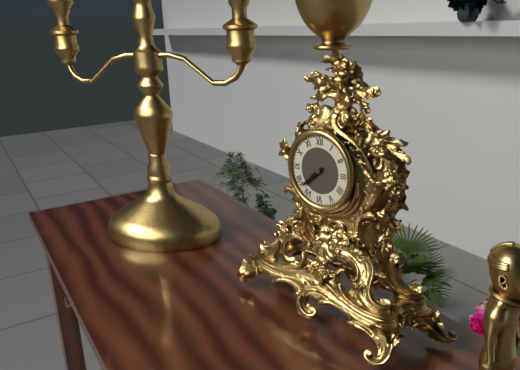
{"hour": 7, "minute": 38}
